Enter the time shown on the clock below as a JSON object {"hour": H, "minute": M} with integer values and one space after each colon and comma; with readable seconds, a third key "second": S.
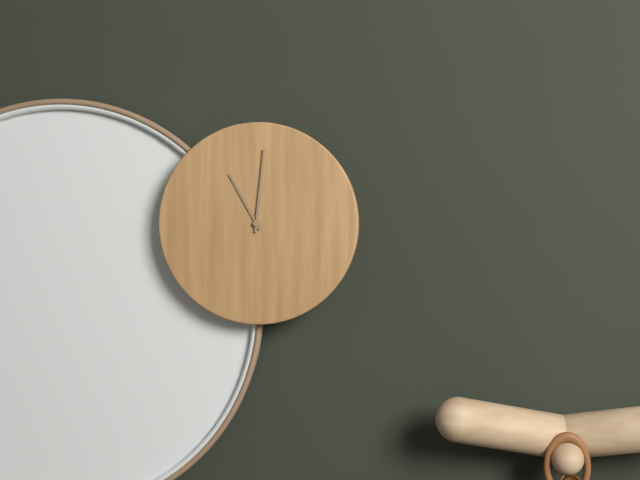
{"hour": 11, "minute": 1}
